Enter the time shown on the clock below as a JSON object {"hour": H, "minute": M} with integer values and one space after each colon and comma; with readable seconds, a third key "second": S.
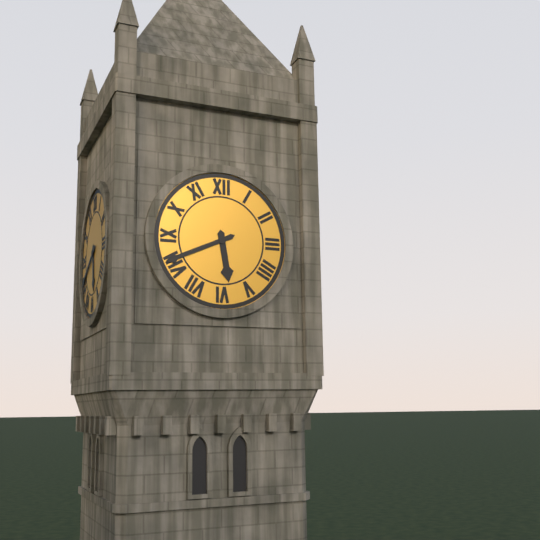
{"hour": 5, "minute": 41}
